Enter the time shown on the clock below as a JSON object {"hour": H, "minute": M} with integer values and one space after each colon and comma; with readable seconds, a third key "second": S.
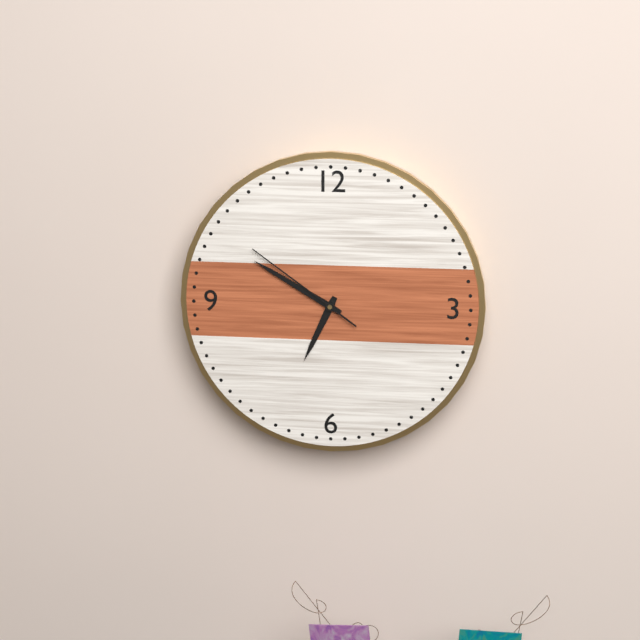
{"hour": 6, "minute": 50, "second": 51}
